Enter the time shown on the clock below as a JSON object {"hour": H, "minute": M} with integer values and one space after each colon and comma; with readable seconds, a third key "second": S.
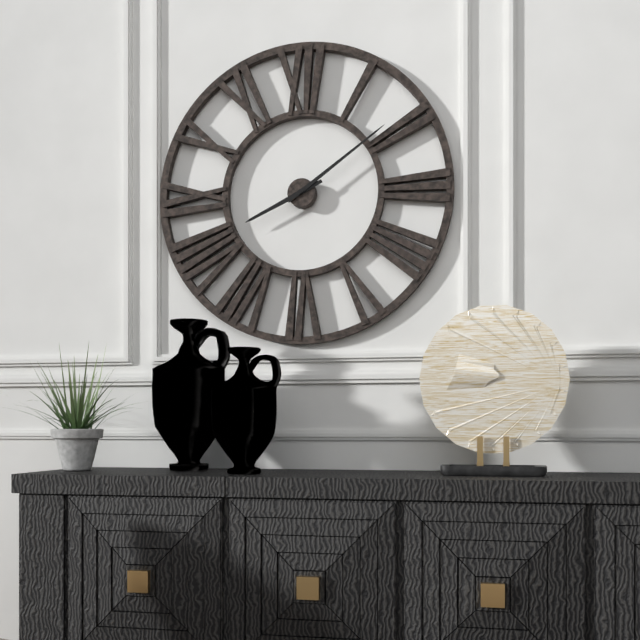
{"hour": 8, "minute": 9}
